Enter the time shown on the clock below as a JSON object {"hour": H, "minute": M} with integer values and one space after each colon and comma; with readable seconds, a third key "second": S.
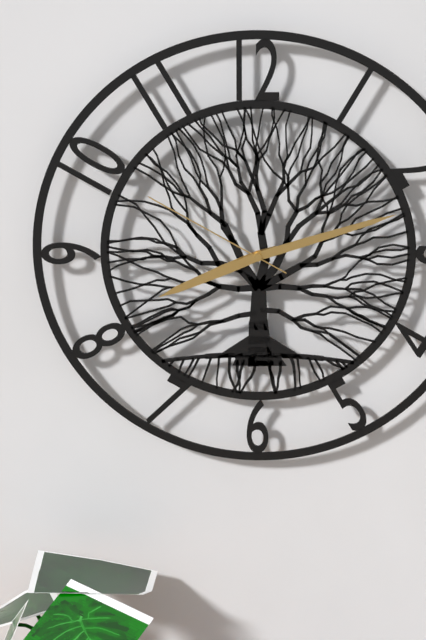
{"hour": 8, "minute": 12, "second": 50}
